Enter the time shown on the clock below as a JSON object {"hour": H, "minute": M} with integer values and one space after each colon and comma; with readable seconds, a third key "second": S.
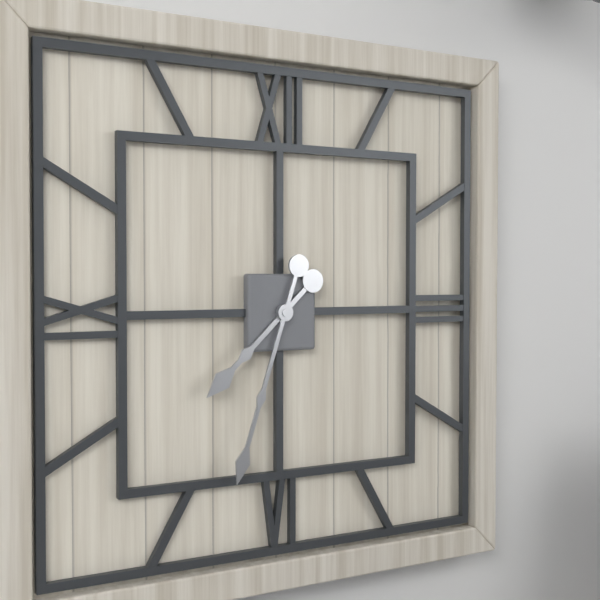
{"hour": 7, "minute": 33}
